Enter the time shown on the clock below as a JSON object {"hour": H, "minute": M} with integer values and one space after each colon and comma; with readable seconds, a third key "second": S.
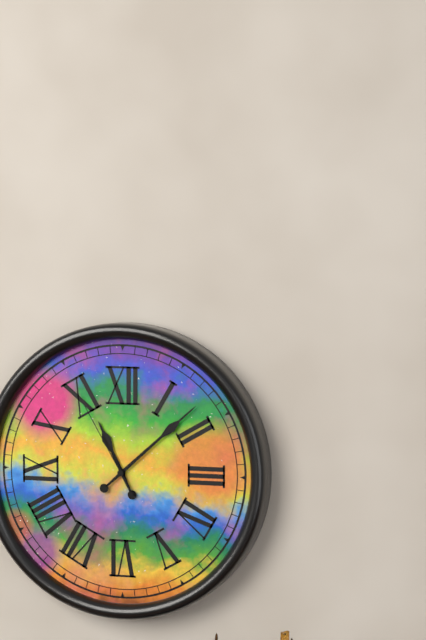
{"hour": 11, "minute": 8, "second": 55}
